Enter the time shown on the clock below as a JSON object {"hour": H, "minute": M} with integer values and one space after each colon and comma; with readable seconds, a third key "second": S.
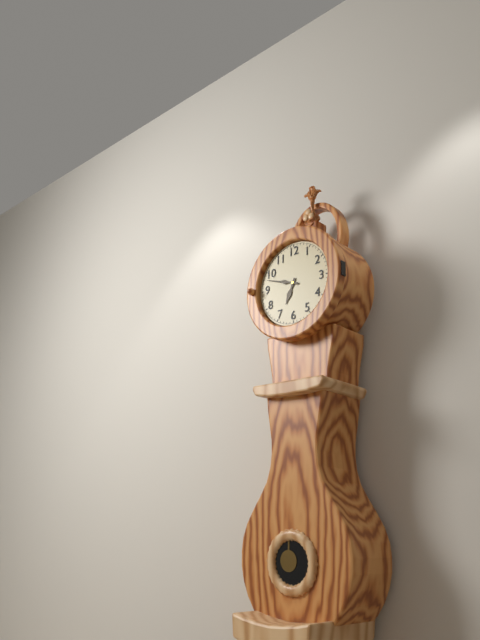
{"hour": 6, "minute": 48}
